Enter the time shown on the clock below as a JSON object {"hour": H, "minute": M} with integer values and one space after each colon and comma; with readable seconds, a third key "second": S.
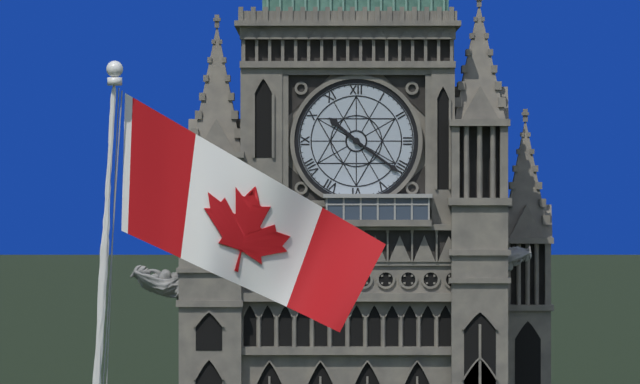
{"hour": 10, "minute": 21}
